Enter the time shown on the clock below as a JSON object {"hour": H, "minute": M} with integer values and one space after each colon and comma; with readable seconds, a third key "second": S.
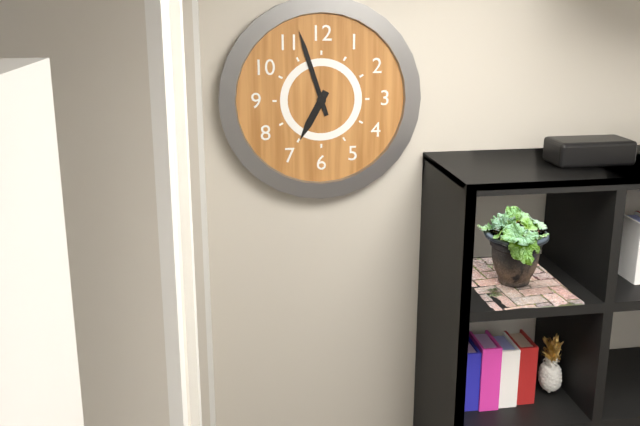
{"hour": 6, "minute": 57}
